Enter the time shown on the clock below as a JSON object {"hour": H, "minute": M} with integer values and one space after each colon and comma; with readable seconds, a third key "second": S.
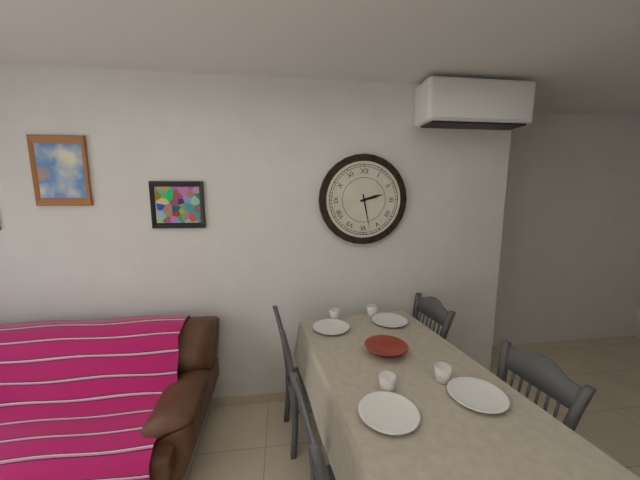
{"hour": 2, "minute": 28}
